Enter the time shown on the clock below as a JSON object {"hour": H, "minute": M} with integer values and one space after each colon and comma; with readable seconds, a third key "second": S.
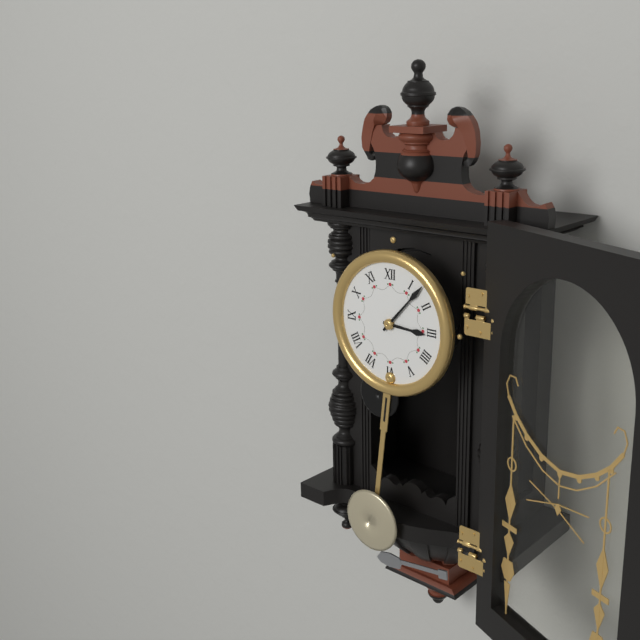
{"hour": 3, "minute": 7}
